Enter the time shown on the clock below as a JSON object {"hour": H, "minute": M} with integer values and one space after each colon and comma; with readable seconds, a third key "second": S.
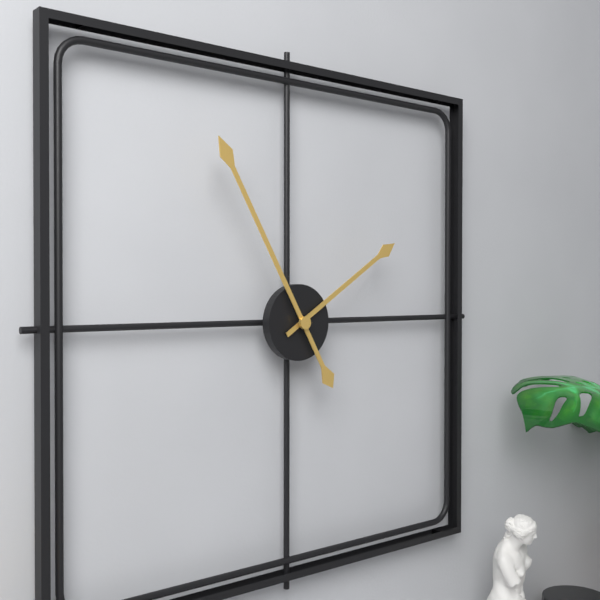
{"hour": 1, "minute": 55}
